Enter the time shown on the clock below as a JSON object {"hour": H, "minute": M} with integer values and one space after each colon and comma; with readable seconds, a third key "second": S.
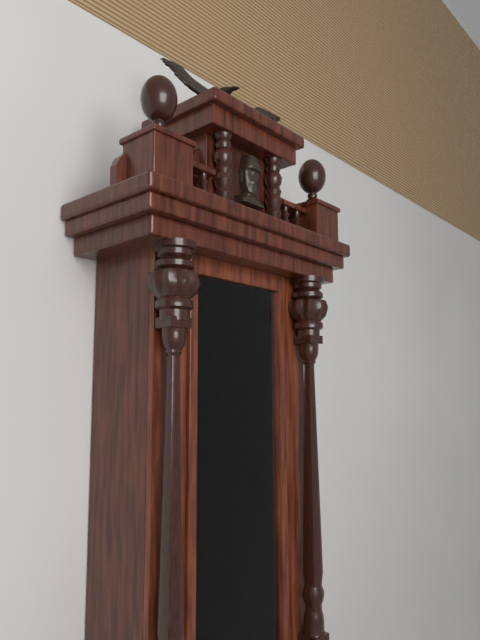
{"hour": 7, "minute": 31}
